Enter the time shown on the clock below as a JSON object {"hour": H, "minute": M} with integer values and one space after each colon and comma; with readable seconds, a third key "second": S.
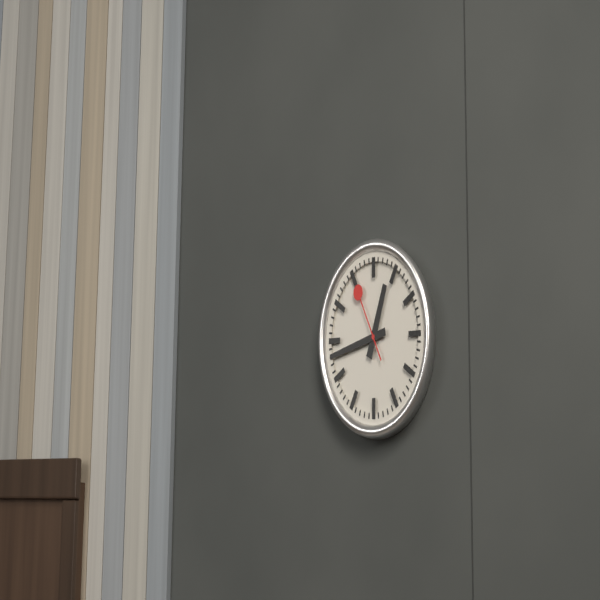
{"hour": 12, "minute": 43, "second": 55}
